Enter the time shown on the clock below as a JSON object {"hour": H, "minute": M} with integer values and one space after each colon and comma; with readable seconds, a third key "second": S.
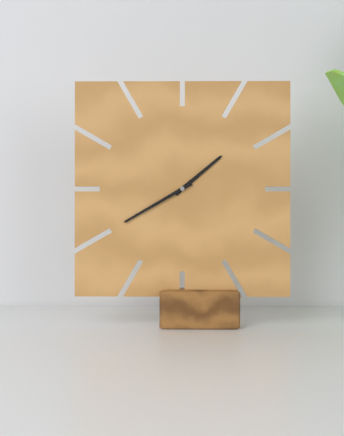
{"hour": 1, "minute": 40}
